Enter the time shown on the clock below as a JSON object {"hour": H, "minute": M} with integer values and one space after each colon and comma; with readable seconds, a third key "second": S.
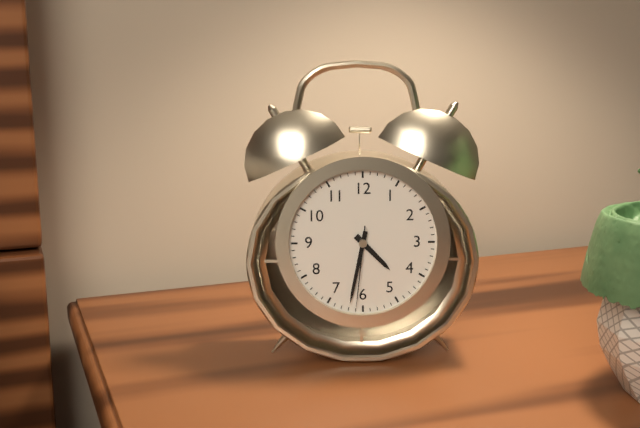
{"hour": 4, "minute": 32, "second": 31}
